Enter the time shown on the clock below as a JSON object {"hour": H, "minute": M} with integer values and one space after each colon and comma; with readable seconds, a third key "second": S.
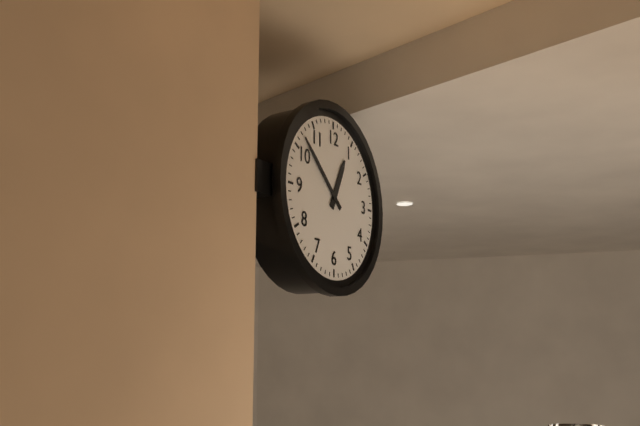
{"hour": 12, "minute": 52}
